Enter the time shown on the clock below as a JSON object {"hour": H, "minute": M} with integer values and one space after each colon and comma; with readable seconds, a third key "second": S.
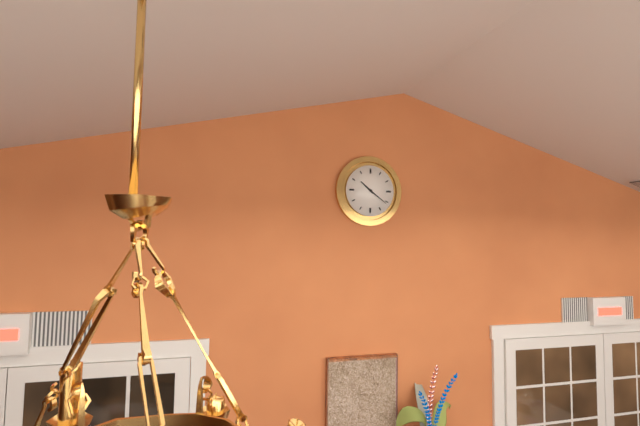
{"hour": 10, "minute": 21}
